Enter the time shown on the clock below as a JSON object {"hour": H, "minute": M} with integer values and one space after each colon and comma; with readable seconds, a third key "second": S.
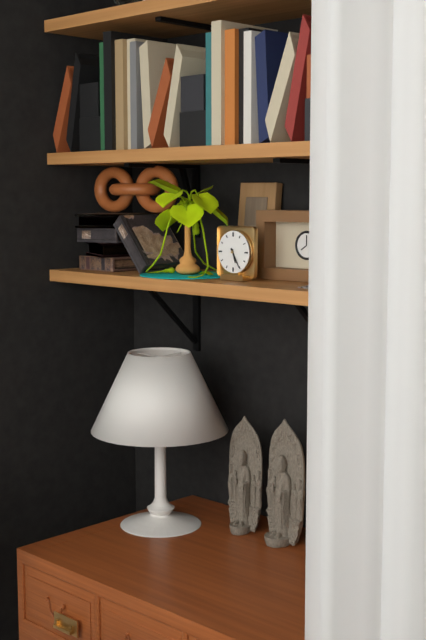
{"hour": 5, "minute": 25}
